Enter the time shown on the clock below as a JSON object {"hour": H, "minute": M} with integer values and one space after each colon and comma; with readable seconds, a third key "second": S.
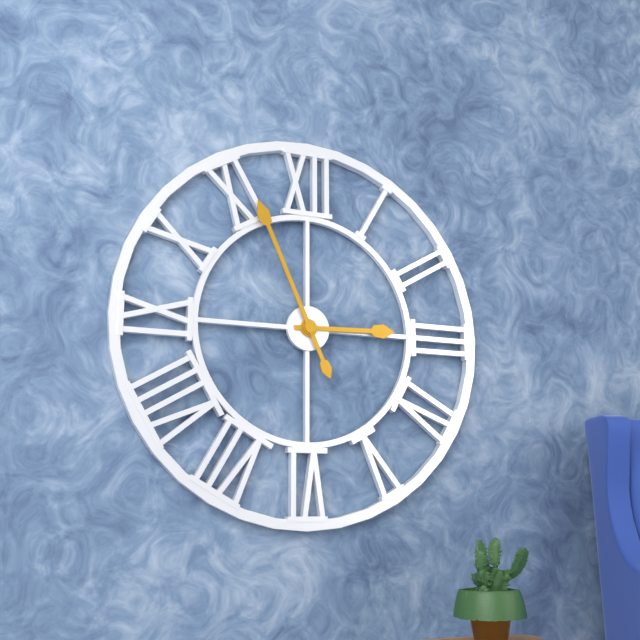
{"hour": 2, "minute": 56}
